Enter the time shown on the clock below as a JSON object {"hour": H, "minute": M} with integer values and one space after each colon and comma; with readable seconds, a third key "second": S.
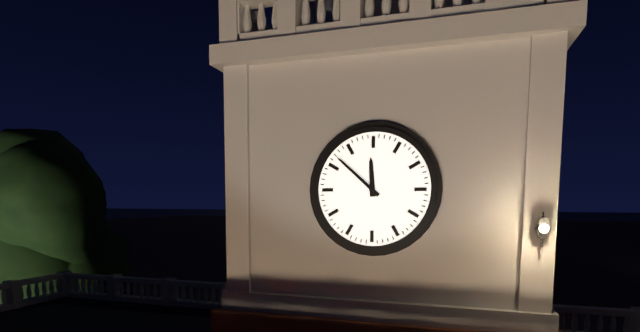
{"hour": 11, "minute": 52}
